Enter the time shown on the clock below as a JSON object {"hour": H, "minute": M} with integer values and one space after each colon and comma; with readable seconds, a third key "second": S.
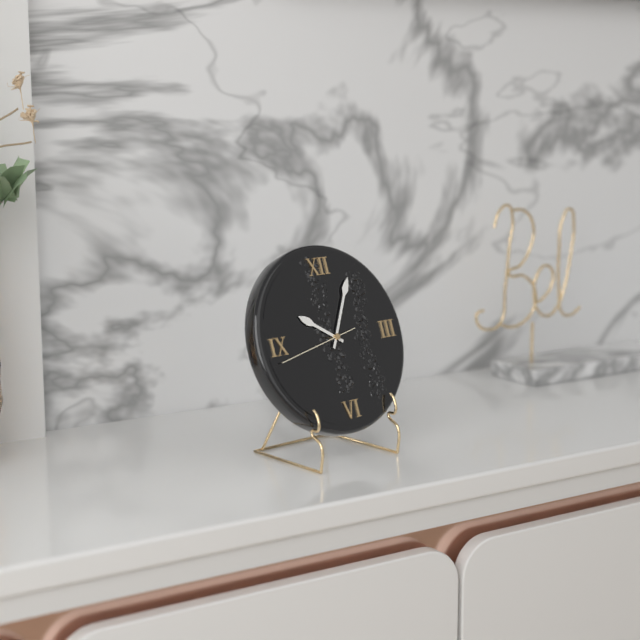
{"hour": 10, "minute": 5, "second": 43}
